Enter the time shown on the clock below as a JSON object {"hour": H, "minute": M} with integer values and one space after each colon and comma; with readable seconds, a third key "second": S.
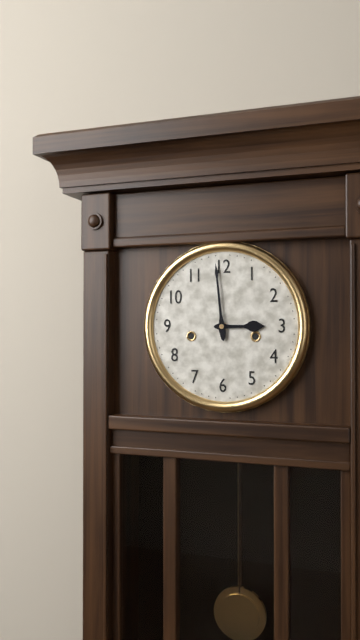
{"hour": 2, "minute": 59}
